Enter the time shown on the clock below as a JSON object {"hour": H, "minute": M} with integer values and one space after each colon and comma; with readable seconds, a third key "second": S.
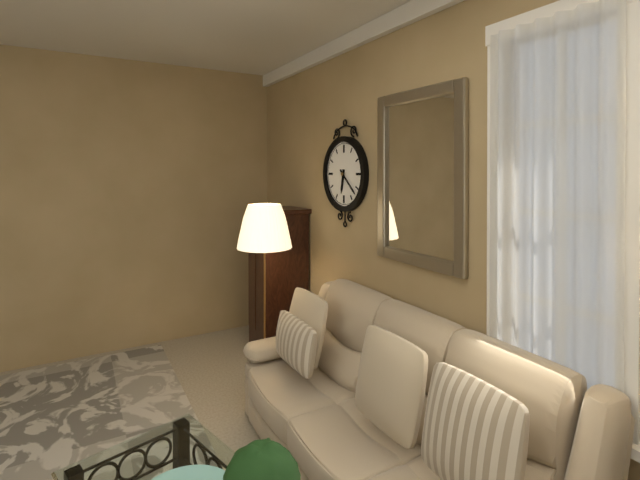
{"hour": 6, "minute": 22}
